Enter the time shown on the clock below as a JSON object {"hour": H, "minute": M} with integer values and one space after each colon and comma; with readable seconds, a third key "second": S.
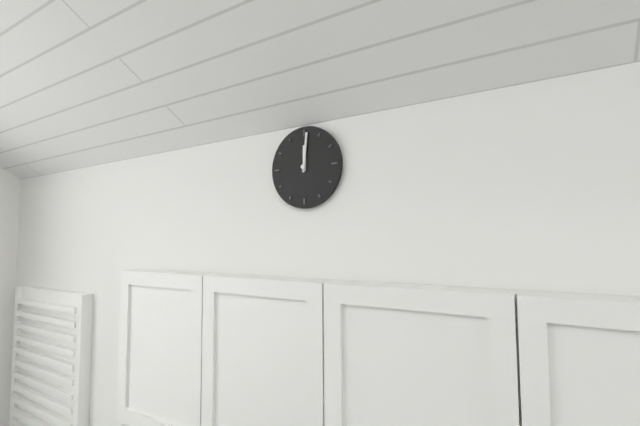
{"hour": 12, "minute": 1}
